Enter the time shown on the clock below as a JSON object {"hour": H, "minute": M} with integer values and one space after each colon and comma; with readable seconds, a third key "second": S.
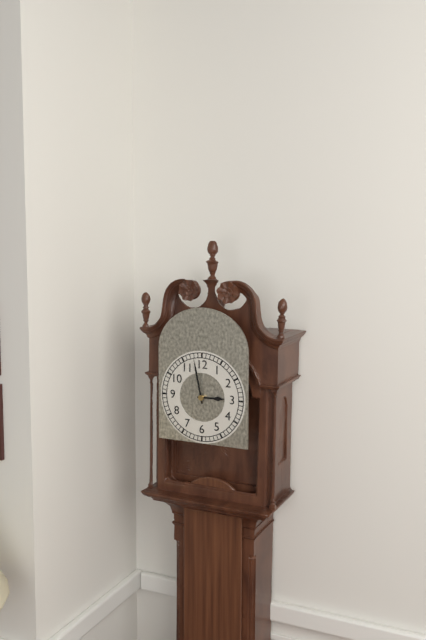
{"hour": 2, "minute": 58}
